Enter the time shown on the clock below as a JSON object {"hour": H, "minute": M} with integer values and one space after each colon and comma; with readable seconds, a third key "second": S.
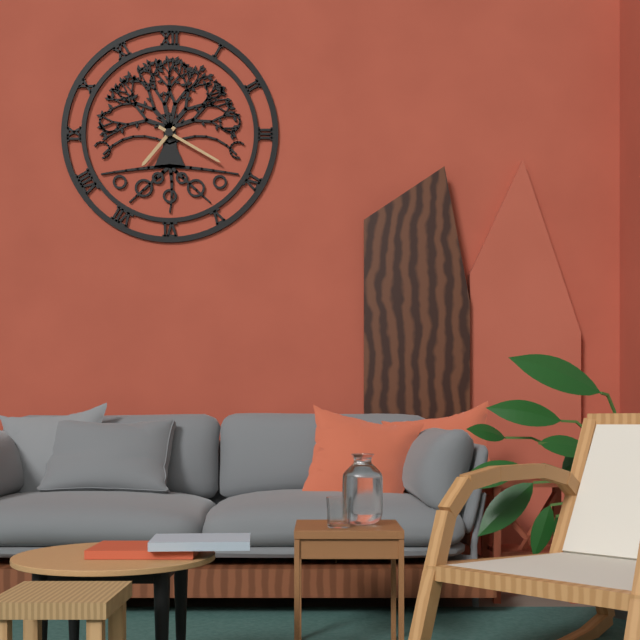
{"hour": 7, "minute": 20}
